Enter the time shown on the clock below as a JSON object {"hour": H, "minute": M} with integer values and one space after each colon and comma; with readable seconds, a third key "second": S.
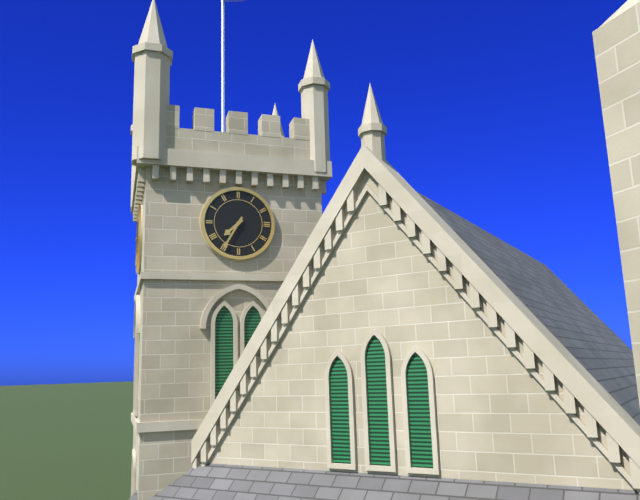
{"hour": 7, "minute": 35}
